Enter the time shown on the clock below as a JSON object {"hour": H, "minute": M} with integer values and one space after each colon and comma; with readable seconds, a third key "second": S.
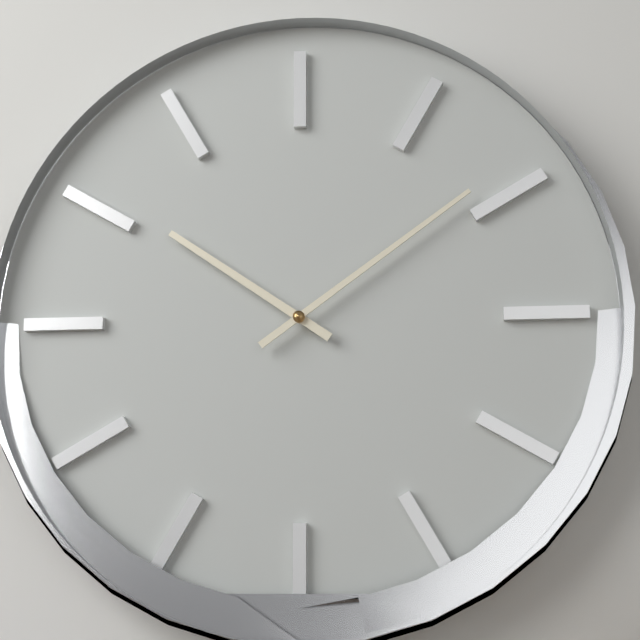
{"hour": 10, "minute": 9}
